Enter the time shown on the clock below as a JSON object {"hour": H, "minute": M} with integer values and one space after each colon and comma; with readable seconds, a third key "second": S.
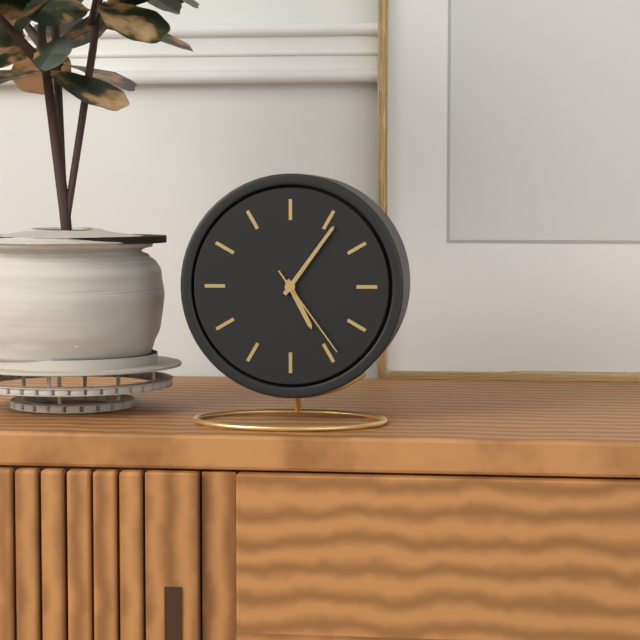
{"hour": 5, "minute": 6, "second": 24}
